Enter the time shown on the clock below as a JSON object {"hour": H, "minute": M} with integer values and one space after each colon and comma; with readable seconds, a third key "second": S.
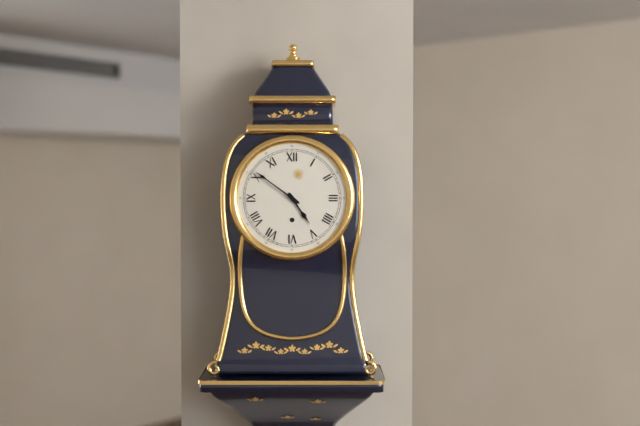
{"hour": 4, "minute": 51}
